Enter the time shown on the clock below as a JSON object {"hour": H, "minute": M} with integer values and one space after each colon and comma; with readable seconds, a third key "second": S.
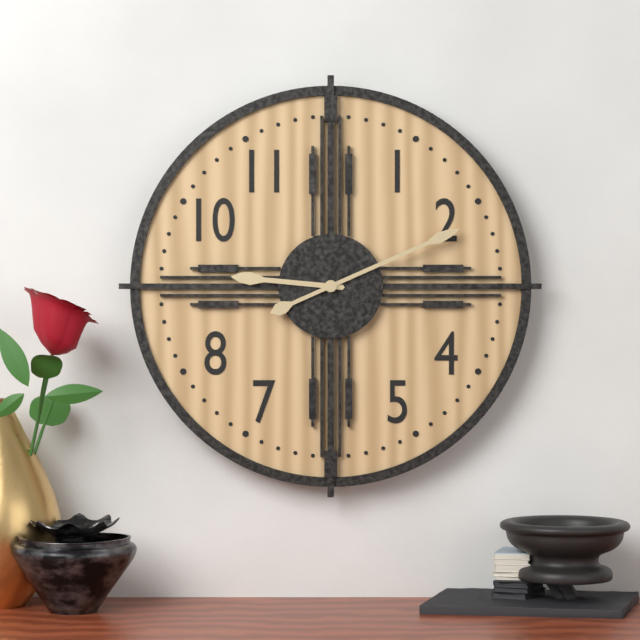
{"hour": 9, "minute": 11}
